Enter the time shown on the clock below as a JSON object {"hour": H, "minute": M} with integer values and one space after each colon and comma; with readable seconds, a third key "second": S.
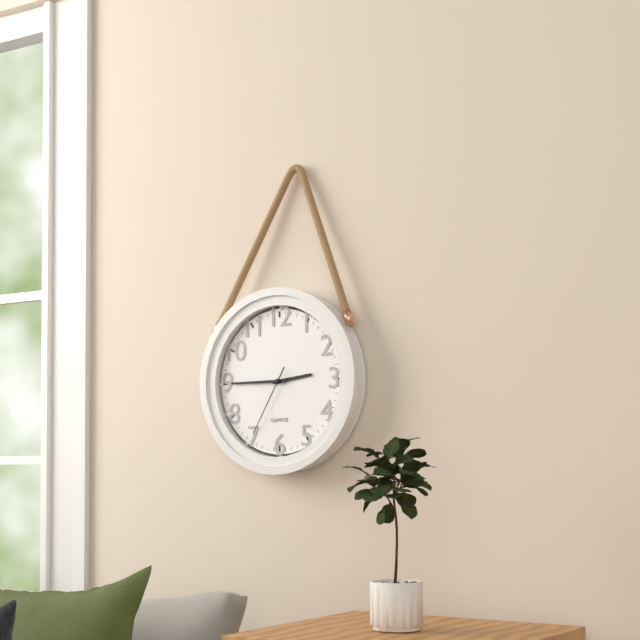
{"hour": 2, "minute": 45, "second": 35}
